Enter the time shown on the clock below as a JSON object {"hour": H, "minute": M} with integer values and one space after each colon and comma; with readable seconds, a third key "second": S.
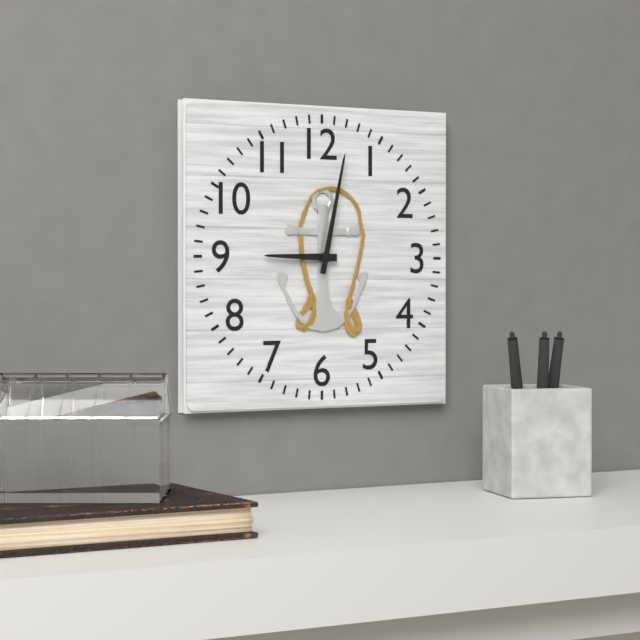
{"hour": 9, "minute": 2}
